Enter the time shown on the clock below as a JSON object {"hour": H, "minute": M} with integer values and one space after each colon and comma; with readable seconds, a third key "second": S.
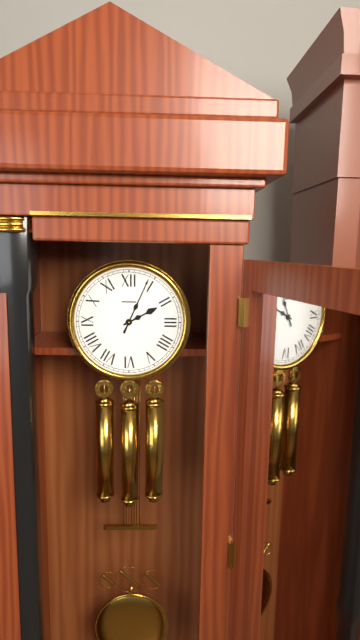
{"hour": 2, "minute": 4}
